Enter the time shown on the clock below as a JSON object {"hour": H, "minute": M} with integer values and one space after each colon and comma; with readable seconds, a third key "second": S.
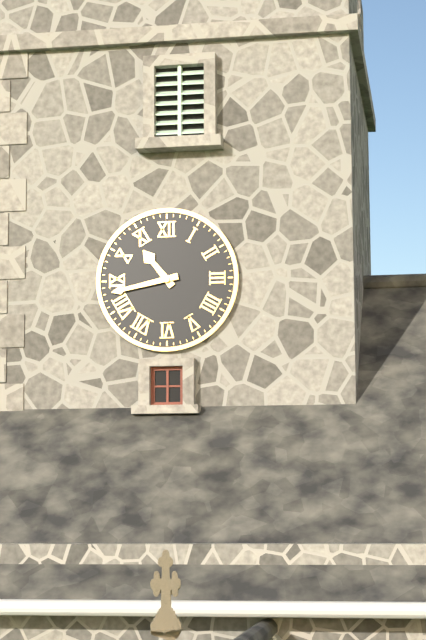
{"hour": 10, "minute": 43}
